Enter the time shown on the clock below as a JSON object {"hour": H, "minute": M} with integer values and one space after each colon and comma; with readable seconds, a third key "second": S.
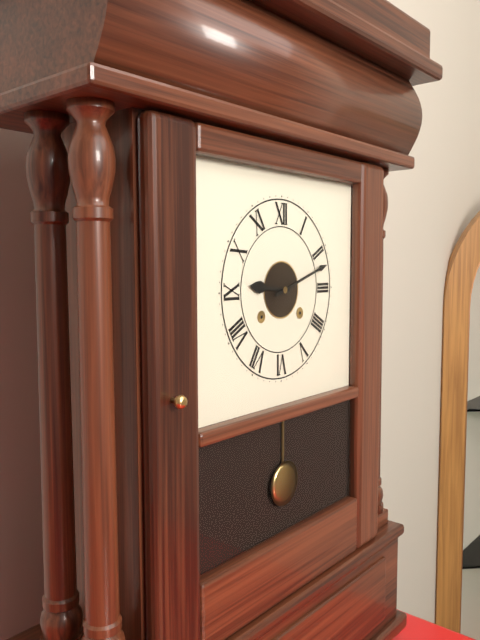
{"hour": 9, "minute": 12}
